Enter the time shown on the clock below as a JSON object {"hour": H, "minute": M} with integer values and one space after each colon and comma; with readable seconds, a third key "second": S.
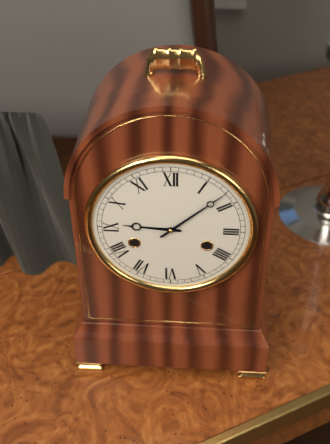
{"hour": 9, "minute": 8}
